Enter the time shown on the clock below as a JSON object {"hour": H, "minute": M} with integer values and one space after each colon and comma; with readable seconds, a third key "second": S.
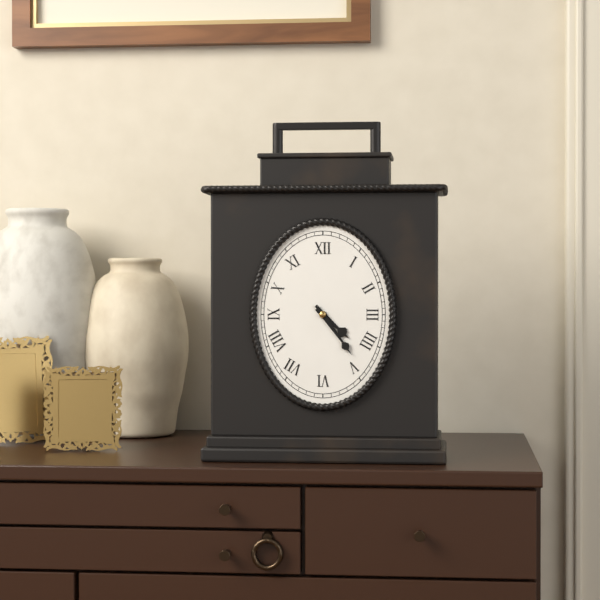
{"hour": 4, "minute": 24}
